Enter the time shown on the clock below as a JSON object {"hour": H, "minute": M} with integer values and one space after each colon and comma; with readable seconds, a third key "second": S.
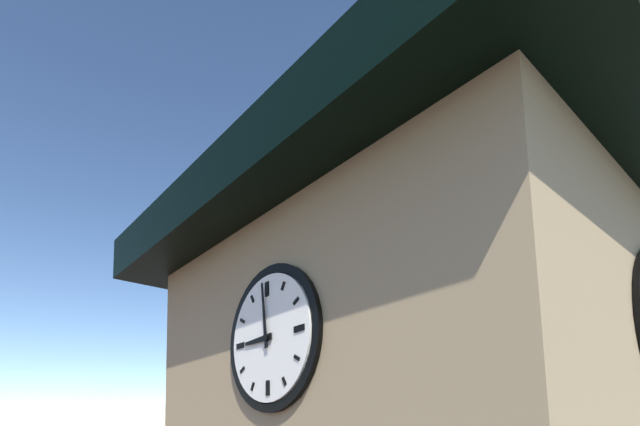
{"hour": 8, "minute": 59}
